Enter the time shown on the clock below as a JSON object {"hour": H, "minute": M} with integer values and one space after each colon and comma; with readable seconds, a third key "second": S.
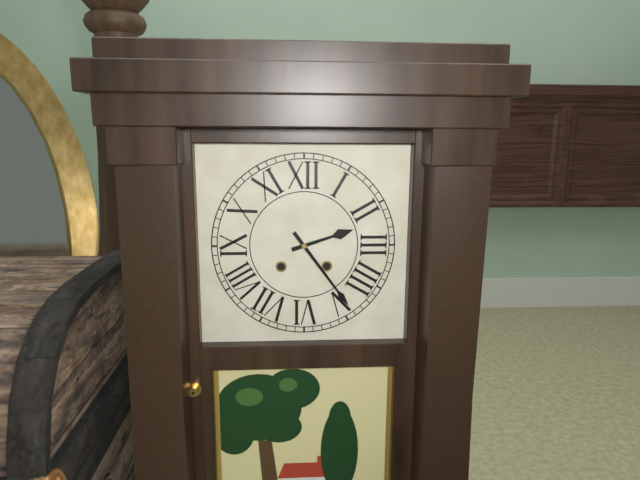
{"hour": 2, "minute": 24}
